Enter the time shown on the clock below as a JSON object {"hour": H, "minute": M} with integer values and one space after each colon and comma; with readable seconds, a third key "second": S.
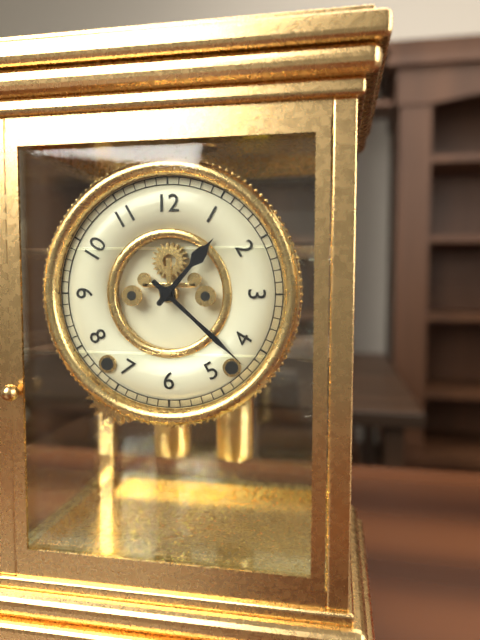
{"hour": 1, "minute": 22}
